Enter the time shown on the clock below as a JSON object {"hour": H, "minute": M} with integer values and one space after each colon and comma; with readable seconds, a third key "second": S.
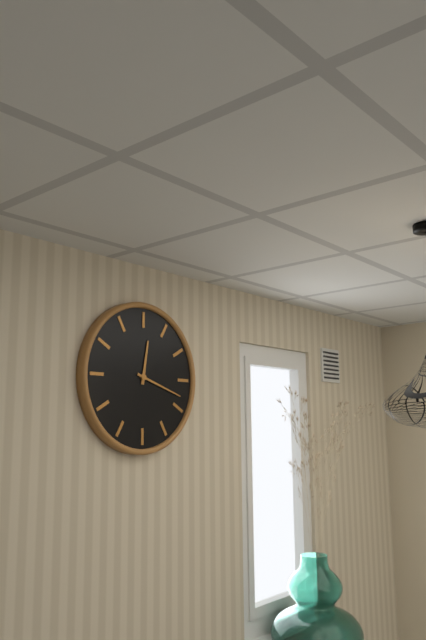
{"hour": 12, "minute": 18}
